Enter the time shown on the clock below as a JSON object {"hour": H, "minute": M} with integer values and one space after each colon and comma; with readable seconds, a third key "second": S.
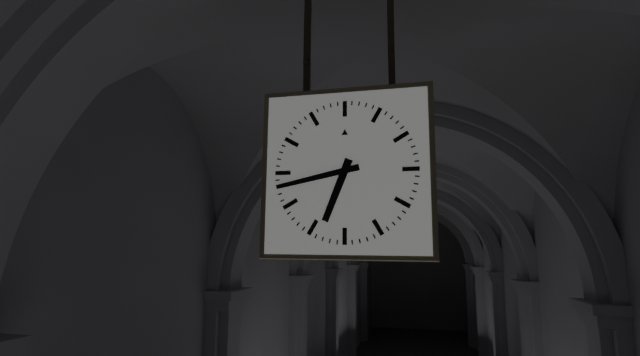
{"hour": 6, "minute": 43}
